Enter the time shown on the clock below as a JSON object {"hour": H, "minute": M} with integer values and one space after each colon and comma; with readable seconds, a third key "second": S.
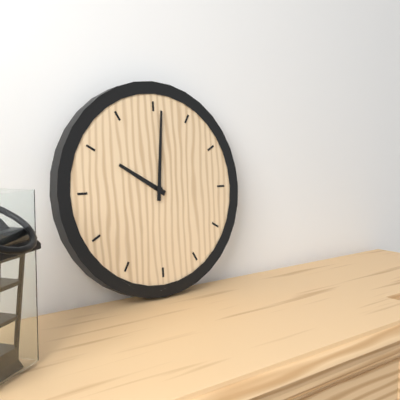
{"hour": 10, "minute": 1}
